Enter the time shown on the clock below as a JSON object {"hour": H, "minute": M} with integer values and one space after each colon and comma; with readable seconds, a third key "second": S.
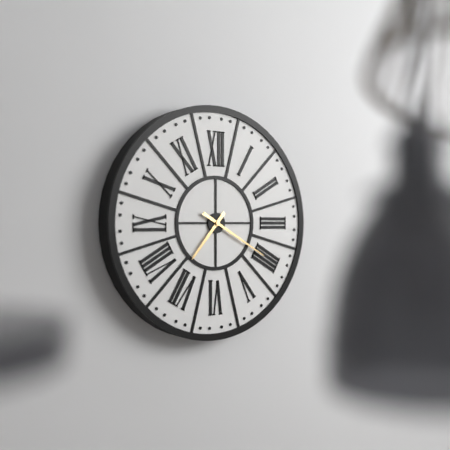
{"hour": 7, "minute": 20}
